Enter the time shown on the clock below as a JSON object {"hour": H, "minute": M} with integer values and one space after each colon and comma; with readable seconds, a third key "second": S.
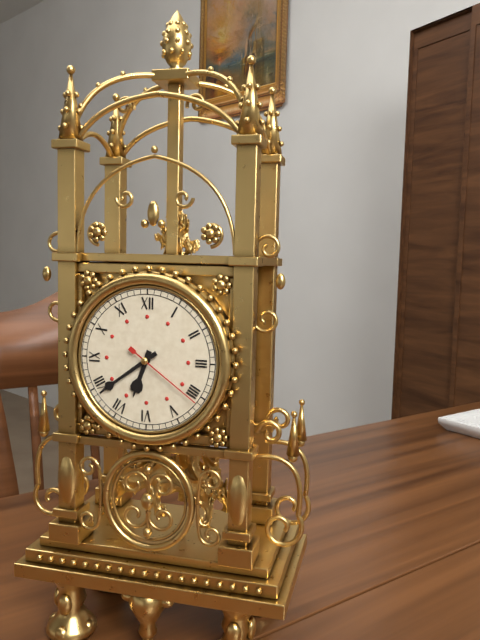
{"hour": 6, "minute": 39, "second": 21}
